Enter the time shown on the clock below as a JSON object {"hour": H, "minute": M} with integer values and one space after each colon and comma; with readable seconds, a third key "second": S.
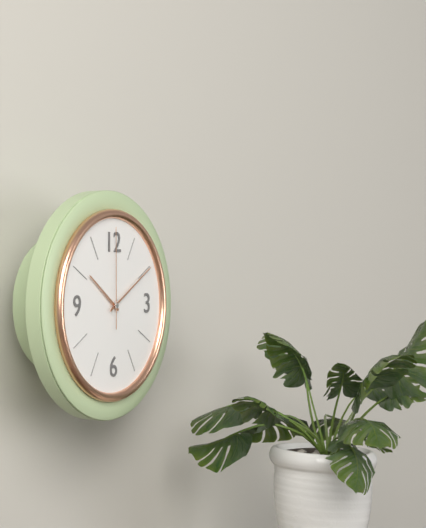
{"hour": 10, "minute": 10, "second": 0}
